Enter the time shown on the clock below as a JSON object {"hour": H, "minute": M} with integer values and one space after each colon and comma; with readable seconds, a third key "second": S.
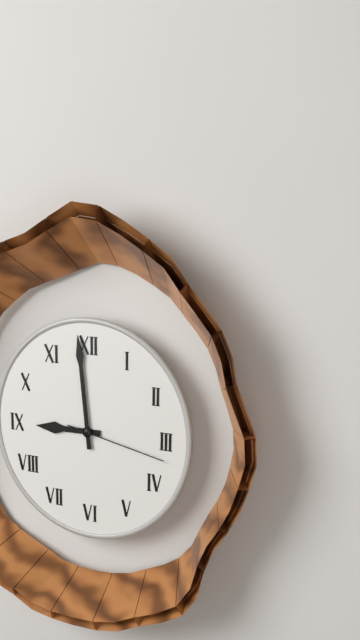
{"hour": 8, "minute": 59, "second": 17}
